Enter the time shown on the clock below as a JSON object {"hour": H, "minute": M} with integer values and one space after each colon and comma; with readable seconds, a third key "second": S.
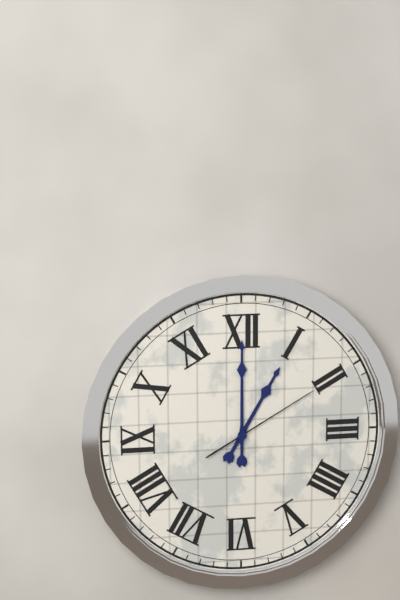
{"hour": 1, "minute": 0, "second": 10}
